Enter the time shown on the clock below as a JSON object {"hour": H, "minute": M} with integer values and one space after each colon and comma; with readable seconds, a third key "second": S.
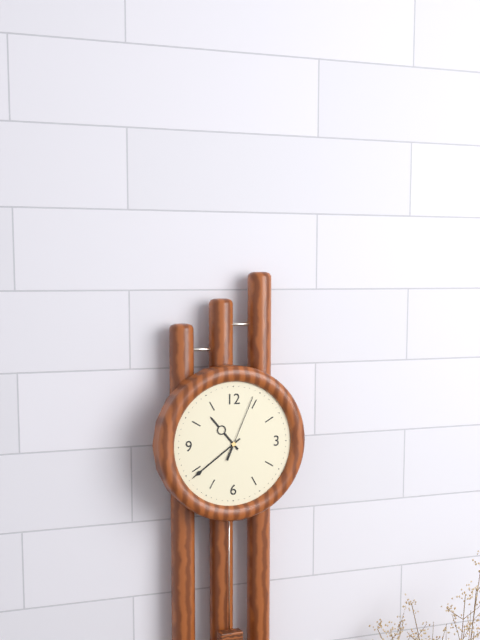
{"hour": 10, "minute": 39, "second": 4}
